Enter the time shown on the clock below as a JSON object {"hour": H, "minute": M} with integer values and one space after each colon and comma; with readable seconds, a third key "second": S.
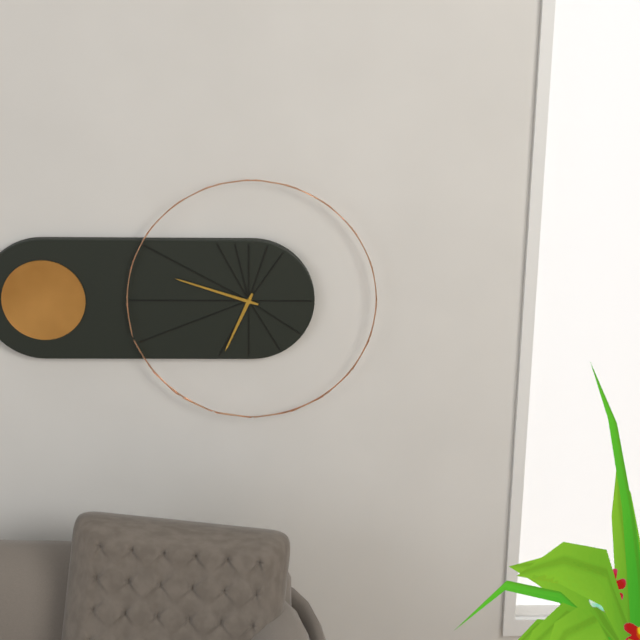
{"hour": 6, "minute": 48}
